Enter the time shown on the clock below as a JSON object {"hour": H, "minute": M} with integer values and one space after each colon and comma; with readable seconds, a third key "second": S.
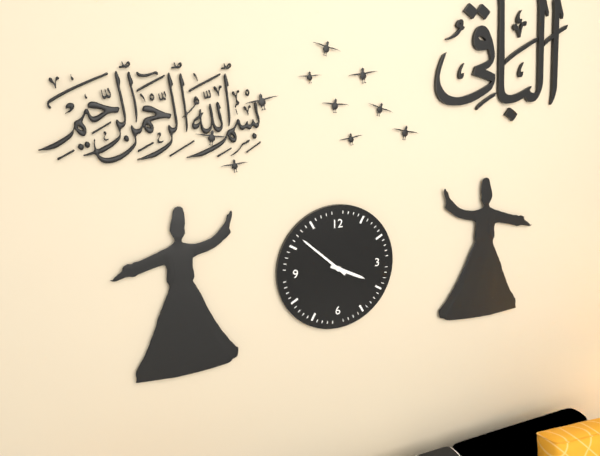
{"hour": 3, "minute": 52}
